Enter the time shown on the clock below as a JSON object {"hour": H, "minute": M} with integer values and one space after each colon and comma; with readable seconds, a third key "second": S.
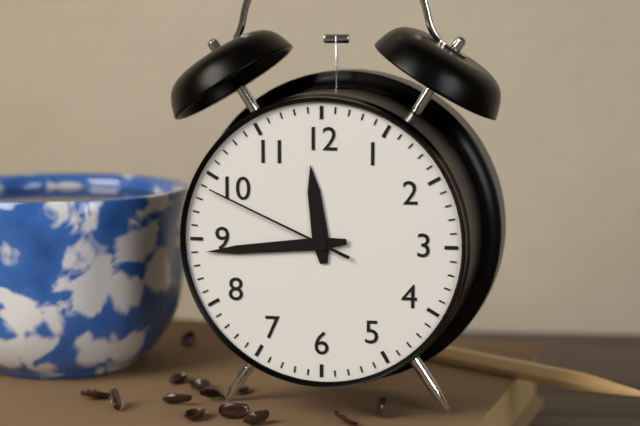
{"hour": 11, "minute": 44, "second": 49}
